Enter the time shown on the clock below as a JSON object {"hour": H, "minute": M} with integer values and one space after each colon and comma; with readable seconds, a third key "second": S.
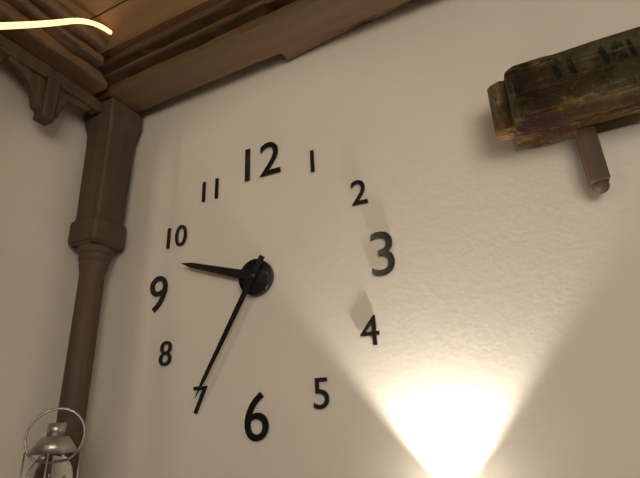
{"hour": 9, "minute": 35}
